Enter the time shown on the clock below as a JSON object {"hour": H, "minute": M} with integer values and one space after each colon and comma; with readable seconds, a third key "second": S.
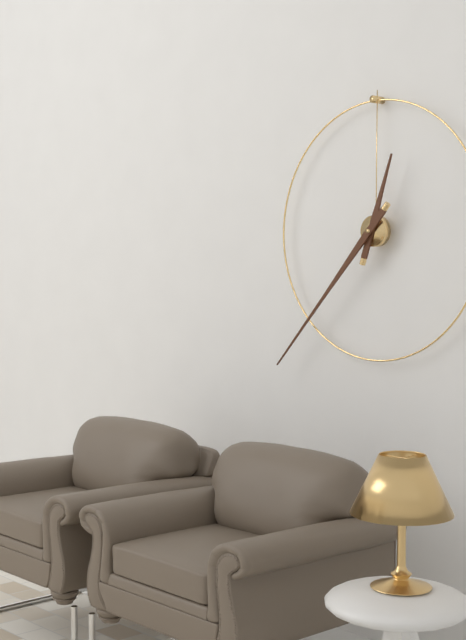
{"hour": 12, "minute": 37}
